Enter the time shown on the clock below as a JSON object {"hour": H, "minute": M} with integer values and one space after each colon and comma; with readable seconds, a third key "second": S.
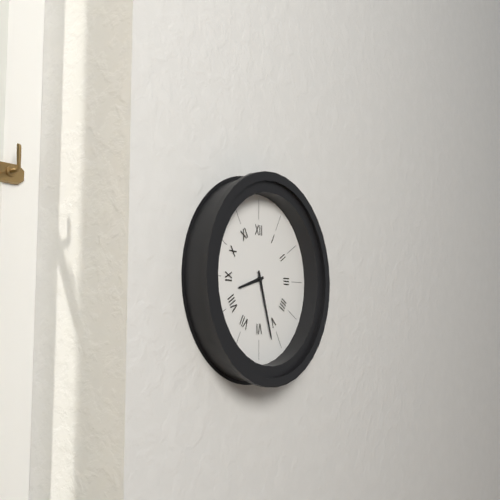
{"hour": 8, "minute": 27}
